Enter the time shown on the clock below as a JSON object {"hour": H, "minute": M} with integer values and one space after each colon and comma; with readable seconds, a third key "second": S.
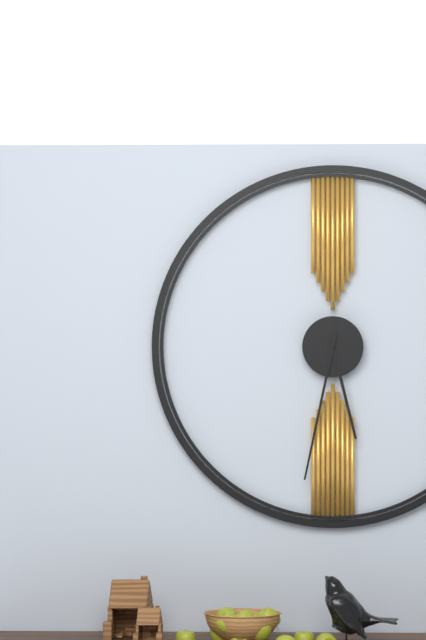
{"hour": 5, "minute": 32}
